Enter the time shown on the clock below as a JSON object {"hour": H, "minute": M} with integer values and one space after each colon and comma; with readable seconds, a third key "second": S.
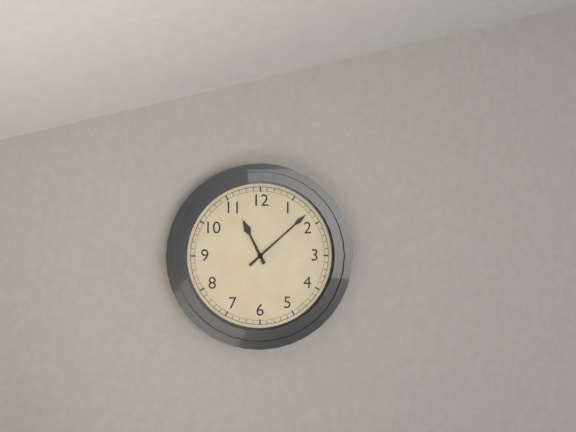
{"hour": 11, "minute": 8}
